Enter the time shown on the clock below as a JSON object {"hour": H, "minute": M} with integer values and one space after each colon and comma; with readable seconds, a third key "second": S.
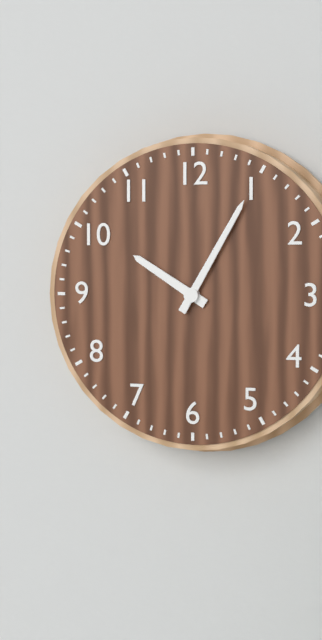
{"hour": 10, "minute": 5}
